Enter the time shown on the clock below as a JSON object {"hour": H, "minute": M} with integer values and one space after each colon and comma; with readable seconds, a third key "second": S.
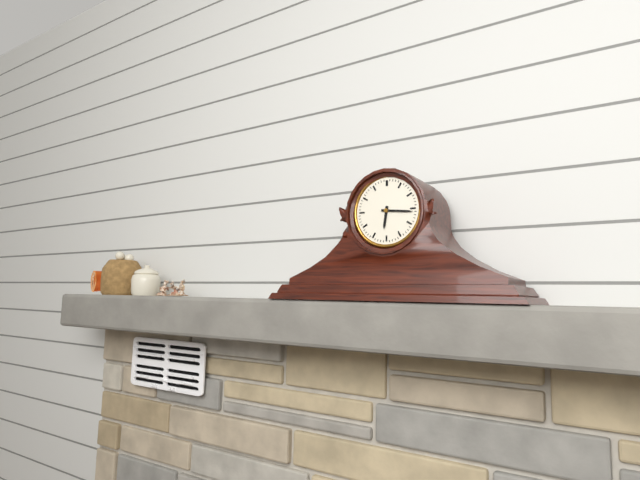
{"hour": 6, "minute": 16}
